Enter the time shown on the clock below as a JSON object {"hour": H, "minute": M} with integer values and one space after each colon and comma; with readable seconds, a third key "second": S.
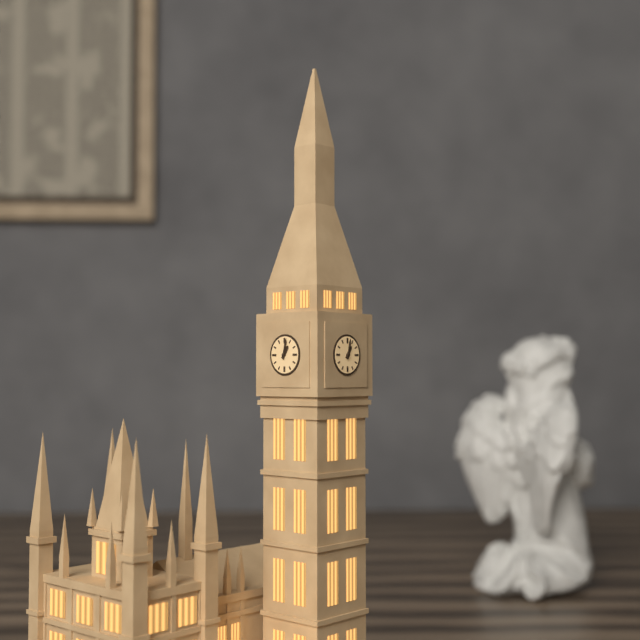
{"hour": 1, "minute": 2}
